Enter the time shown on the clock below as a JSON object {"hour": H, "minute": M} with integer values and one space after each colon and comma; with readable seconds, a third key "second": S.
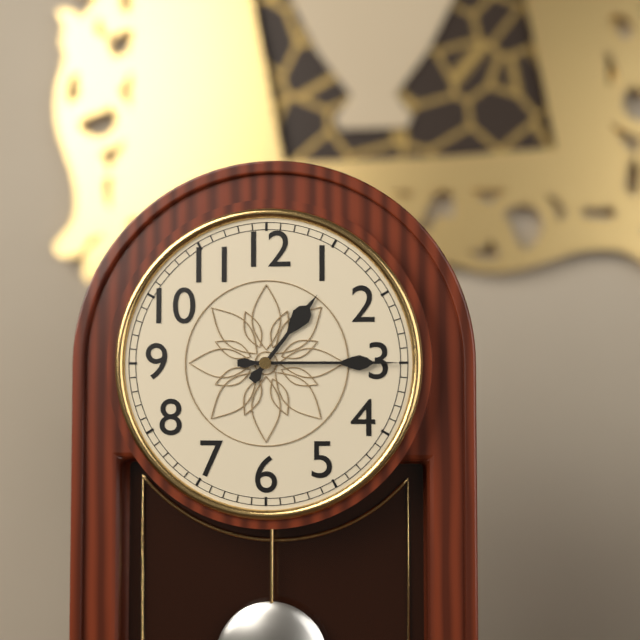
{"hour": 1, "minute": 15}
